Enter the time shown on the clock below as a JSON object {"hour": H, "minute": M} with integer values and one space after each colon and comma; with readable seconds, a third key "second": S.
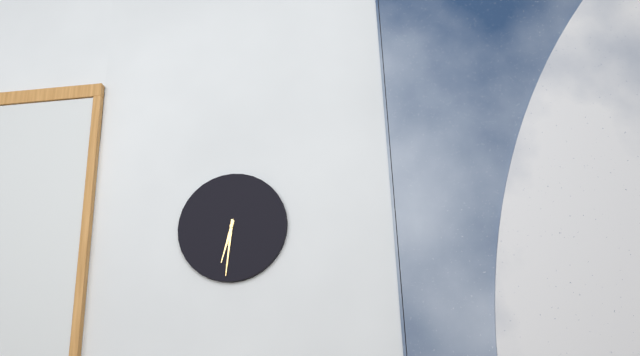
{"hour": 6, "minute": 31}
